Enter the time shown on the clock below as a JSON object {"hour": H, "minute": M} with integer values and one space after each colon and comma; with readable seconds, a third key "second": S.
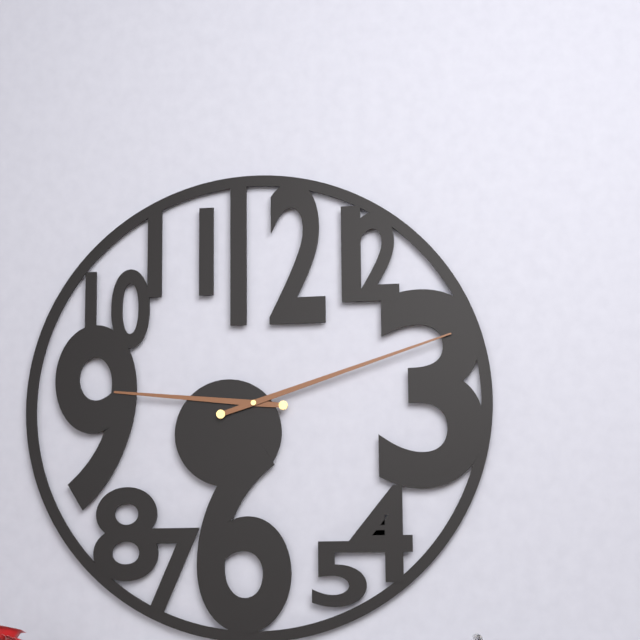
{"hour": 9, "minute": 12}
